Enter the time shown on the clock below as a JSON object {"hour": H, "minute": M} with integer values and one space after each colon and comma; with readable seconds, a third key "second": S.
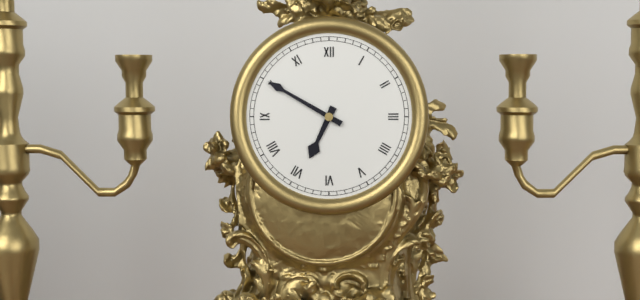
{"hour": 6, "minute": 50}
